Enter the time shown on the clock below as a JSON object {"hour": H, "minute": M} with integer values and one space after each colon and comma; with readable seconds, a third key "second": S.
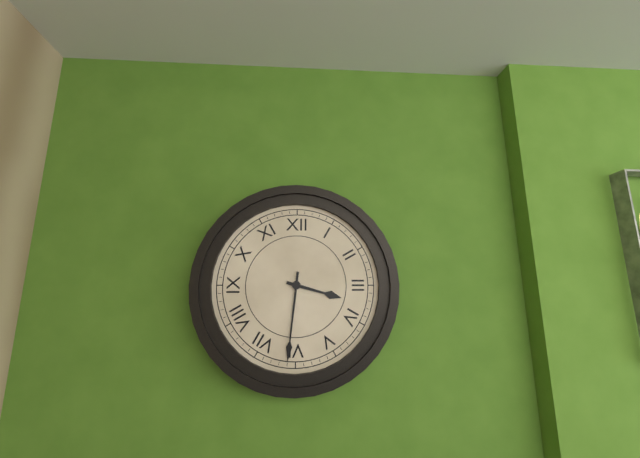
{"hour": 3, "minute": 31}
